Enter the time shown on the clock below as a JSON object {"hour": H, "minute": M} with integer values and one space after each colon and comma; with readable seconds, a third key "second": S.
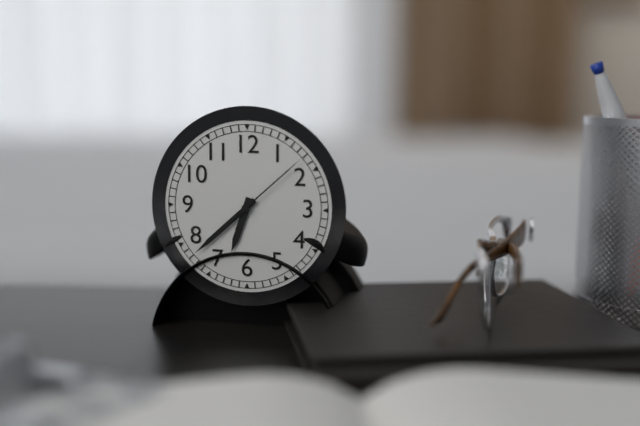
{"hour": 6, "minute": 38, "second": 8}
